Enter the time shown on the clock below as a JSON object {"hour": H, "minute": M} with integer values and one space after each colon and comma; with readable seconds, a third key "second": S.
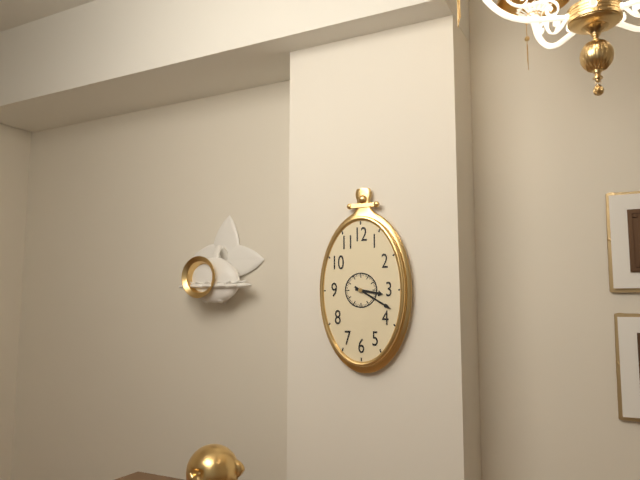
{"hour": 3, "minute": 20}
